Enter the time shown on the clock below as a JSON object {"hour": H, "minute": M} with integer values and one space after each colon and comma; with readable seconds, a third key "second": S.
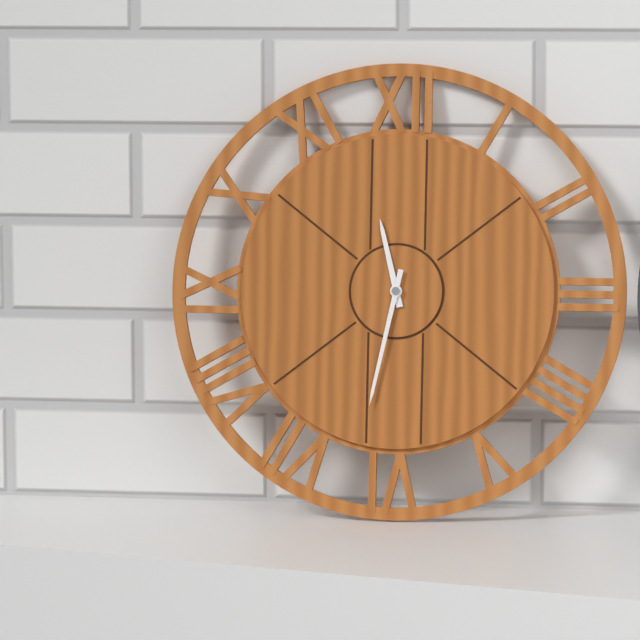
{"hour": 11, "minute": 32}
